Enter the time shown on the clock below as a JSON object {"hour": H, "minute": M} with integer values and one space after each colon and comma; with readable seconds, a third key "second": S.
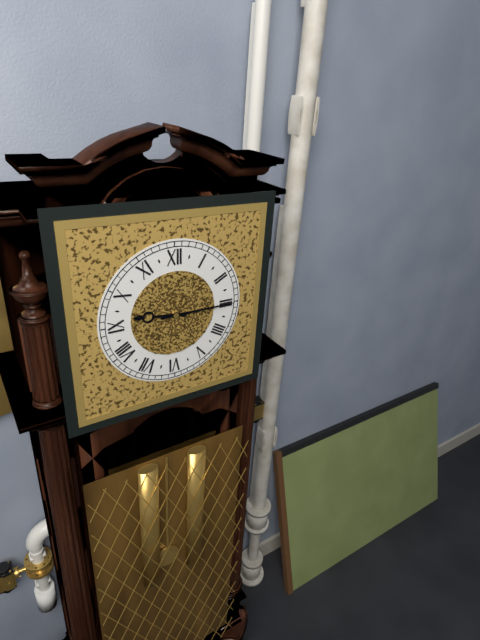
{"hour": 9, "minute": 15}
